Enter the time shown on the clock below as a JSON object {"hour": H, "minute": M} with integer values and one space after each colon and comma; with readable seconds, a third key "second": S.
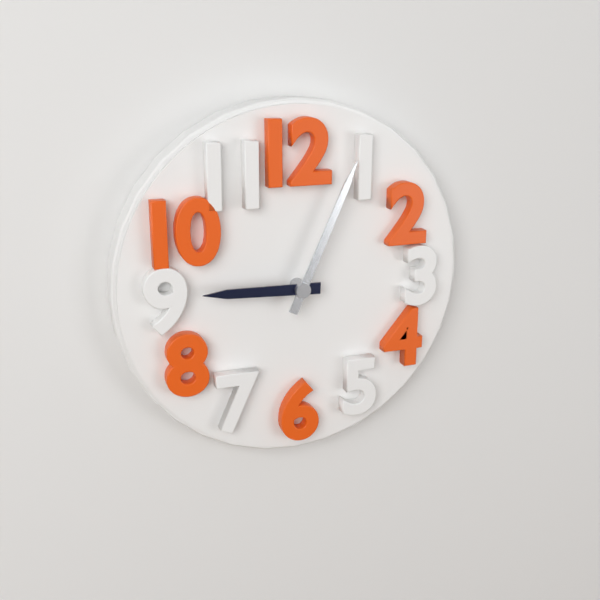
{"hour": 9, "minute": 4}
